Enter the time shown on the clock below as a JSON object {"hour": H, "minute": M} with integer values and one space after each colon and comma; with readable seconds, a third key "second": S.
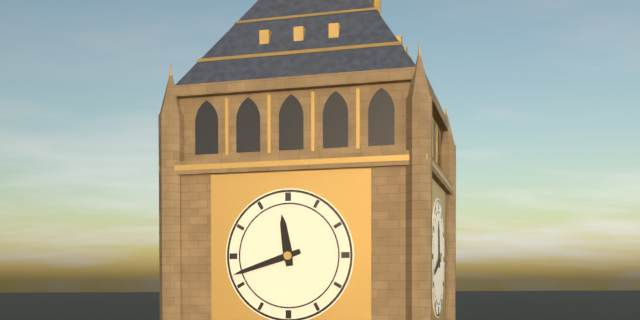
{"hour": 11, "minute": 42}
